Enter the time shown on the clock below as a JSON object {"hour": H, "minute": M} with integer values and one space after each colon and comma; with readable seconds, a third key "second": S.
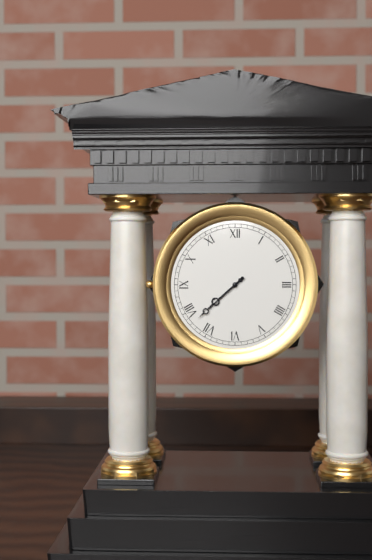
{"hour": 7, "minute": 38}
